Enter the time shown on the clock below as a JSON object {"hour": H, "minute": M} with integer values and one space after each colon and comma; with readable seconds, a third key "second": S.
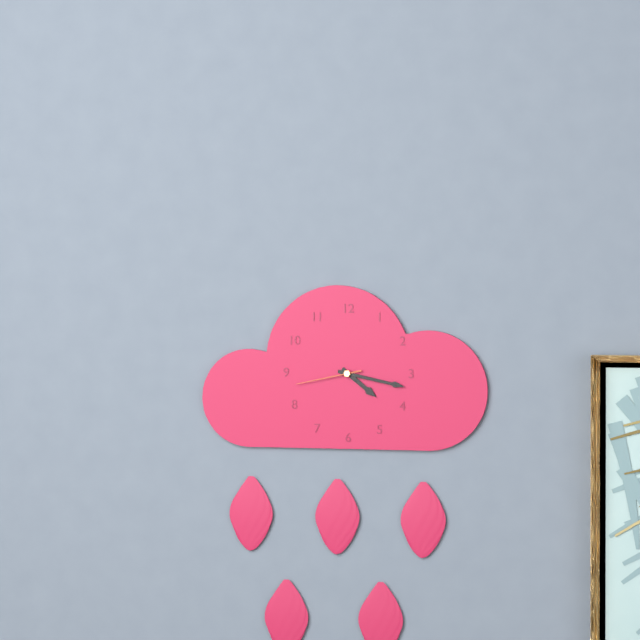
{"hour": 4, "minute": 17, "second": 43}
